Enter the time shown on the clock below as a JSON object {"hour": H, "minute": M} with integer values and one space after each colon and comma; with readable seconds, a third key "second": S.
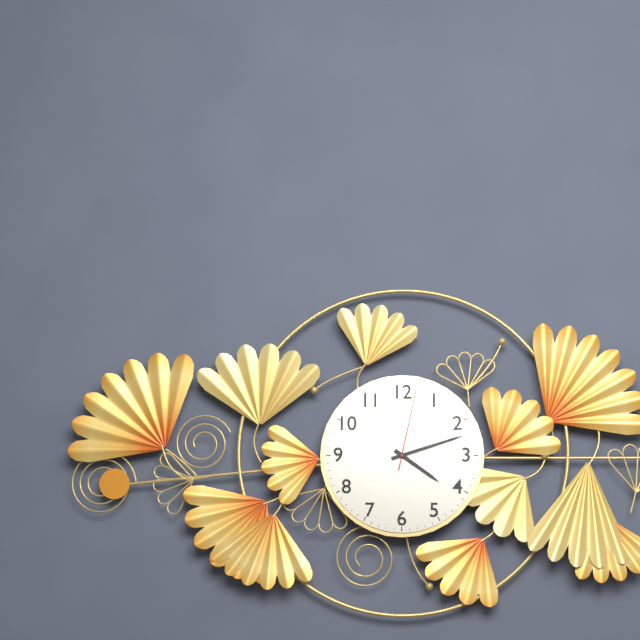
{"hour": 4, "minute": 12, "second": 2}
